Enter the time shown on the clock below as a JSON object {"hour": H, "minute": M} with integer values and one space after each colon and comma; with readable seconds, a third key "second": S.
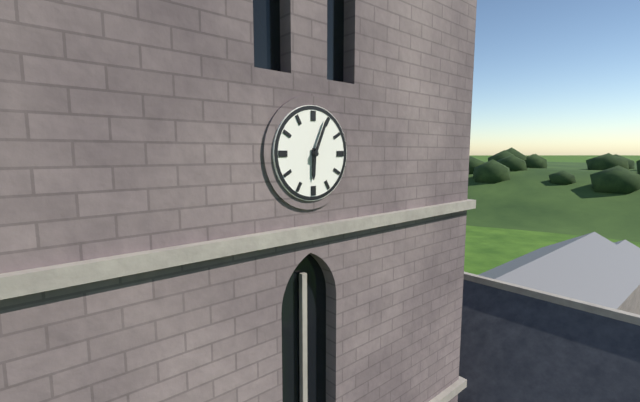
{"hour": 6, "minute": 4}
